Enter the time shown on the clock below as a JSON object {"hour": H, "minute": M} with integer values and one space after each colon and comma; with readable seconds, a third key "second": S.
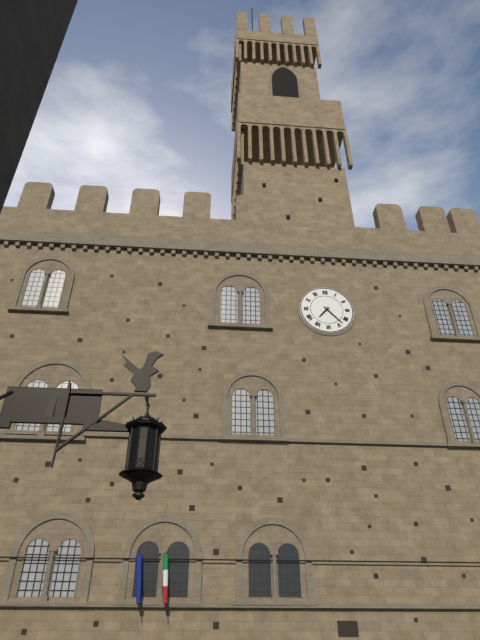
{"hour": 7, "minute": 23}
